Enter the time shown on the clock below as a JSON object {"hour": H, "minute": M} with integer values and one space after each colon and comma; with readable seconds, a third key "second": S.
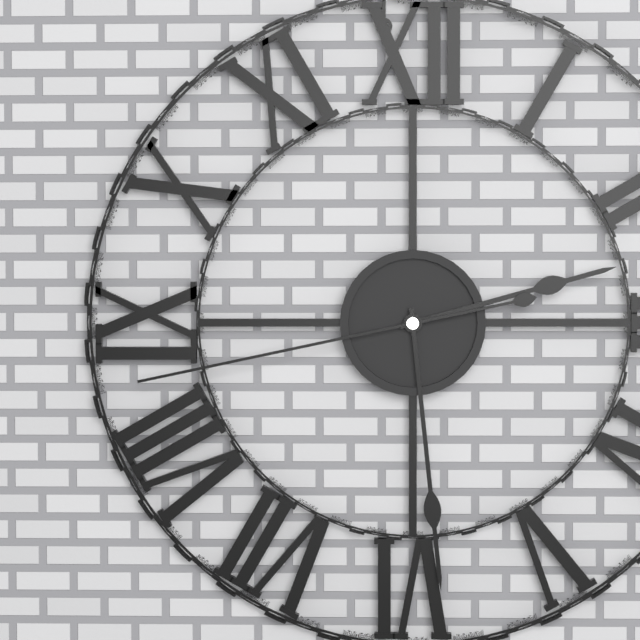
{"hour": 2, "minute": 29, "second": 43}
